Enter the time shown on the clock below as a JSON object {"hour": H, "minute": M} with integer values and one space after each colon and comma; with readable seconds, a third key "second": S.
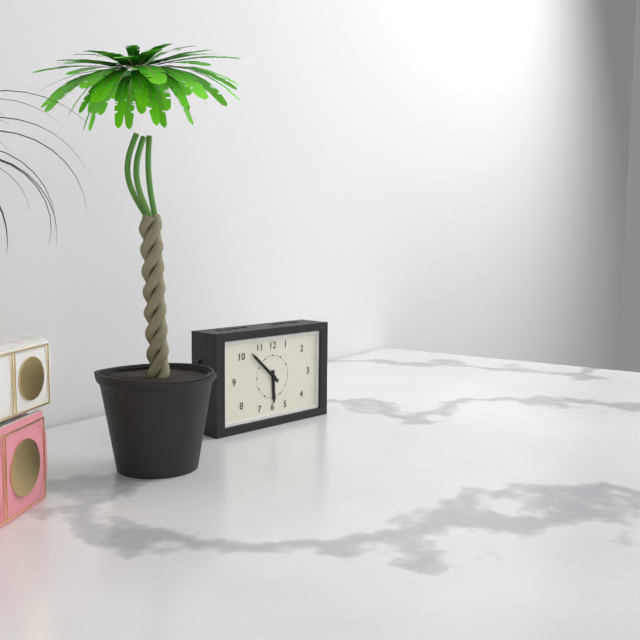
{"hour": 5, "minute": 52}
